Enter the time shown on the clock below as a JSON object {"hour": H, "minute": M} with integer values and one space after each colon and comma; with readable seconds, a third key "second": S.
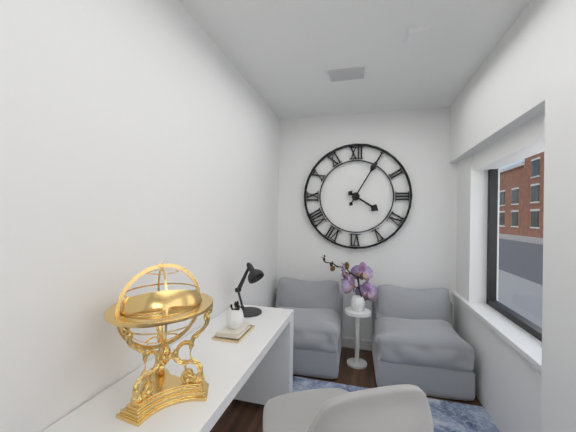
{"hour": 4, "minute": 5}
